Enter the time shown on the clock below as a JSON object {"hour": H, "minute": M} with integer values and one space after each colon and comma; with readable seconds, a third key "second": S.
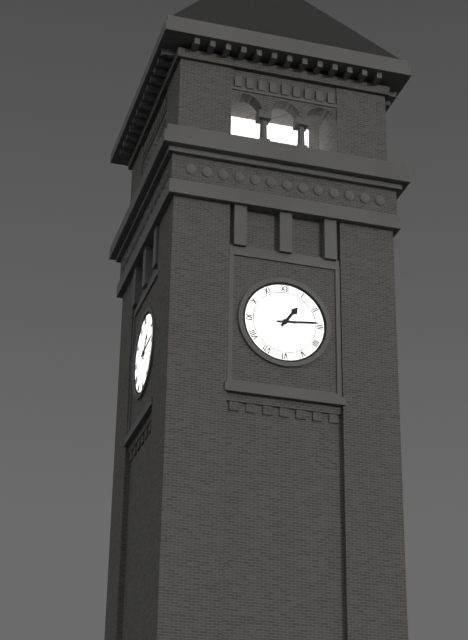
{"hour": 1, "minute": 14}
